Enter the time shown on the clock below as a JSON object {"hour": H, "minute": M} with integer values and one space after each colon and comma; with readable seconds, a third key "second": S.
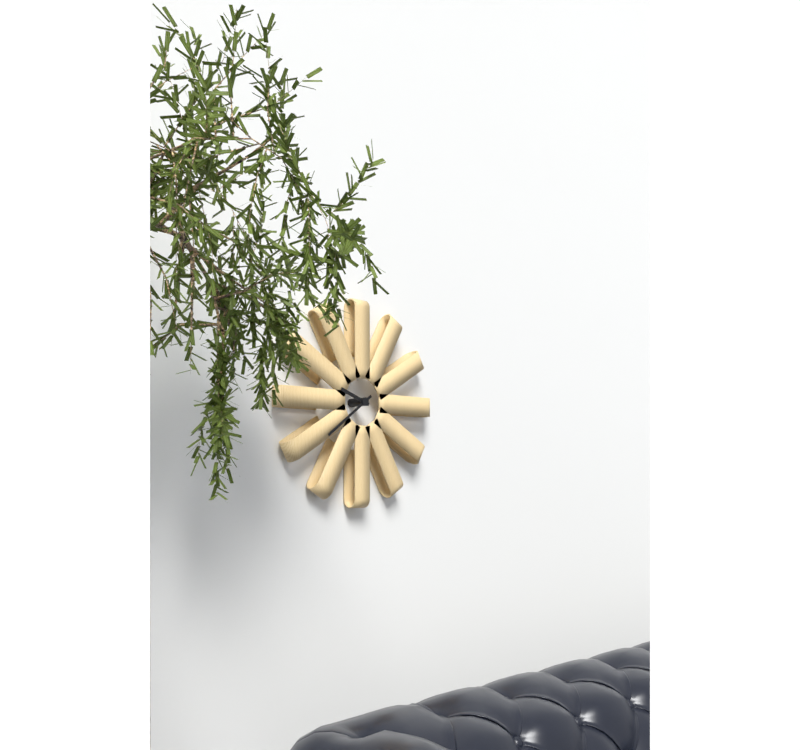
{"hour": 9, "minute": 39}
